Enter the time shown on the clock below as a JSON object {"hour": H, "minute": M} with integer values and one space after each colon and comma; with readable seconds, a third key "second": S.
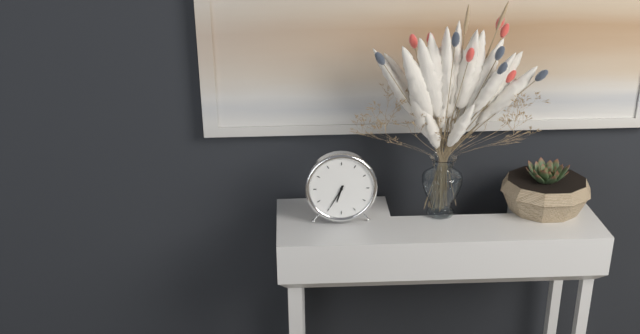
{"hour": 6, "minute": 35}
